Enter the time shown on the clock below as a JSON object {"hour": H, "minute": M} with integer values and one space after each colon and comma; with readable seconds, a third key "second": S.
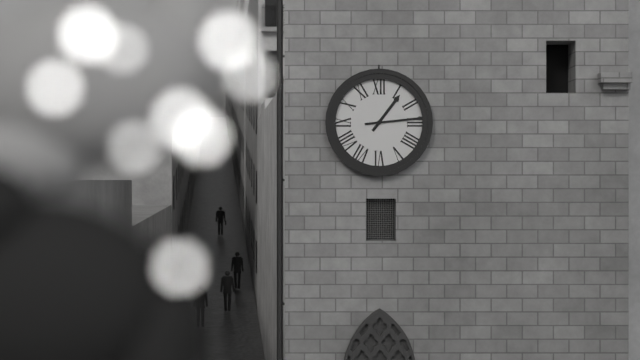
{"hour": 1, "minute": 14}
